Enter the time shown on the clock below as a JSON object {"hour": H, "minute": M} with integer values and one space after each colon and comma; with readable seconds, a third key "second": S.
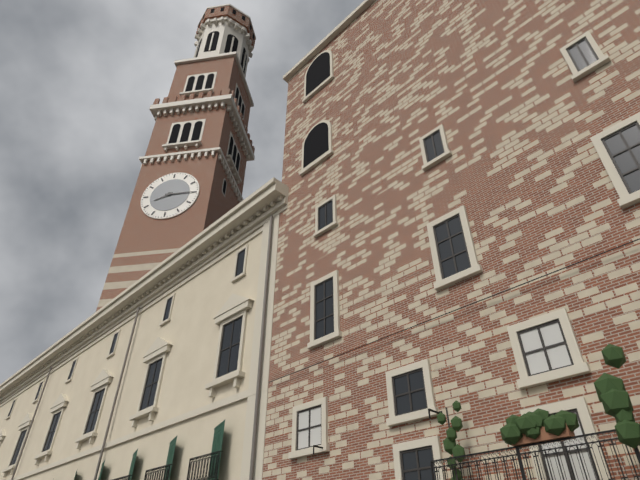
{"hour": 8, "minute": 15}
